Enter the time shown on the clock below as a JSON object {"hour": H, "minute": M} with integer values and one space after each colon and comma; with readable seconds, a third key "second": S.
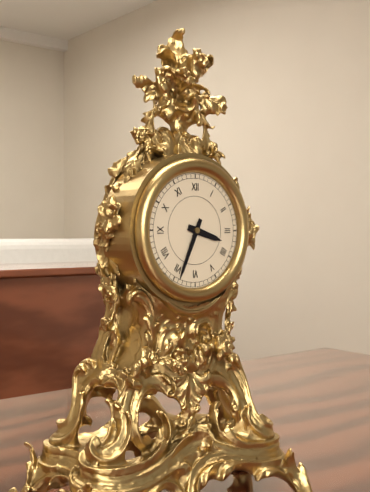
{"hour": 3, "minute": 34}
